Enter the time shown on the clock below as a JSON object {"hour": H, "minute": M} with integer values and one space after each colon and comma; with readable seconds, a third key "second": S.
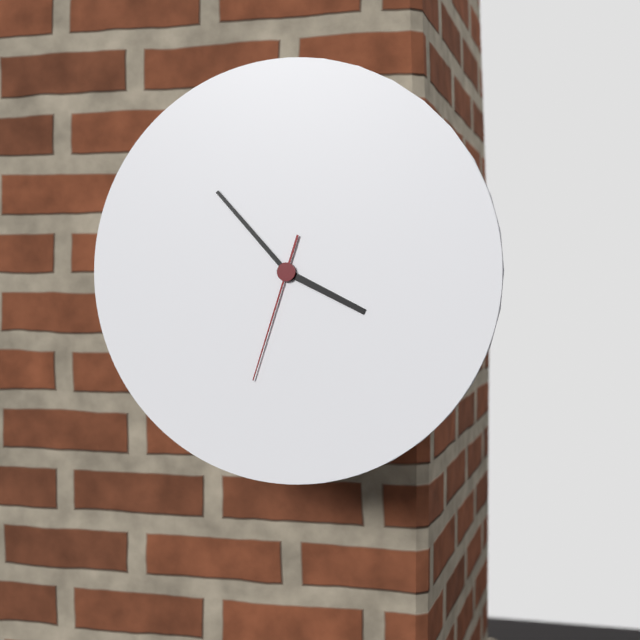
{"hour": 3, "minute": 53, "second": 33}
